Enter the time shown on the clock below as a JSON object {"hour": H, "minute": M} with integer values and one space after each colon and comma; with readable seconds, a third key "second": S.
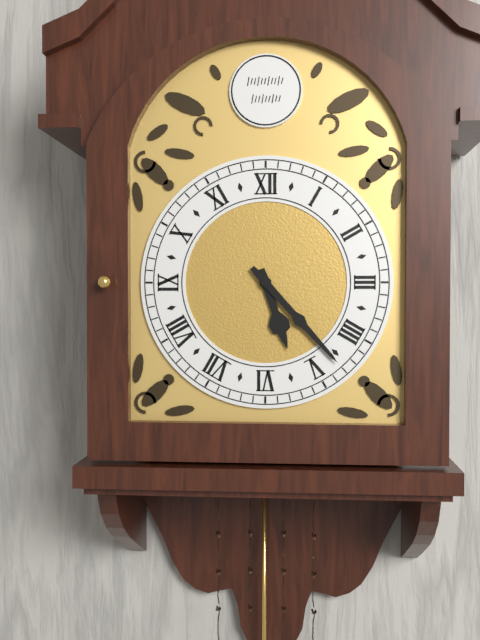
{"hour": 5, "minute": 23}
